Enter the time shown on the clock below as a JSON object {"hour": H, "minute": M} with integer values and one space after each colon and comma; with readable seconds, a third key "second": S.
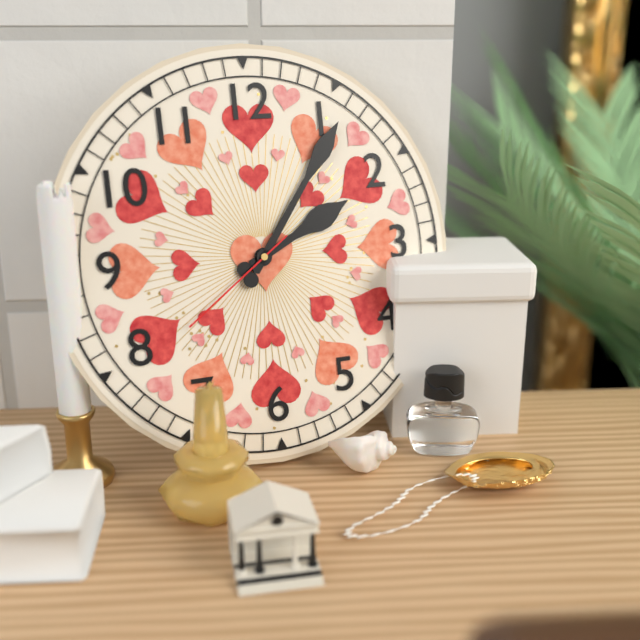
{"hour": 2, "minute": 6, "second": 39}
